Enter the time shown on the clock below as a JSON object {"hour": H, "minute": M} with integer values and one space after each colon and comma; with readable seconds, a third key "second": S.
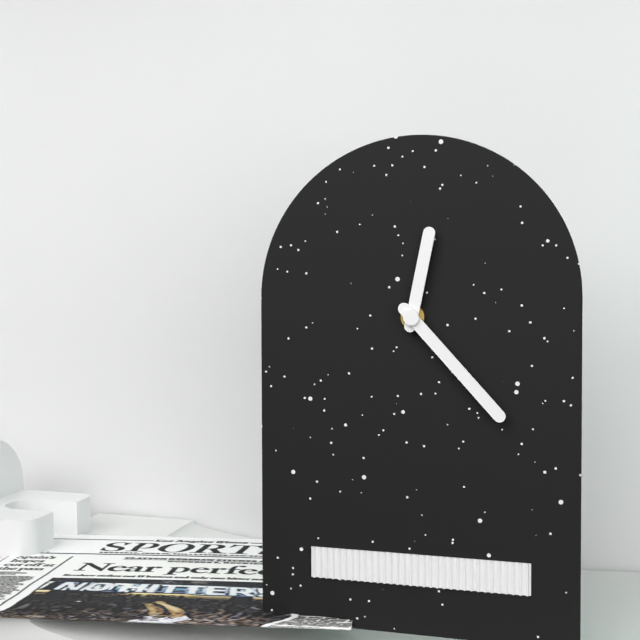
{"hour": 12, "minute": 23}
